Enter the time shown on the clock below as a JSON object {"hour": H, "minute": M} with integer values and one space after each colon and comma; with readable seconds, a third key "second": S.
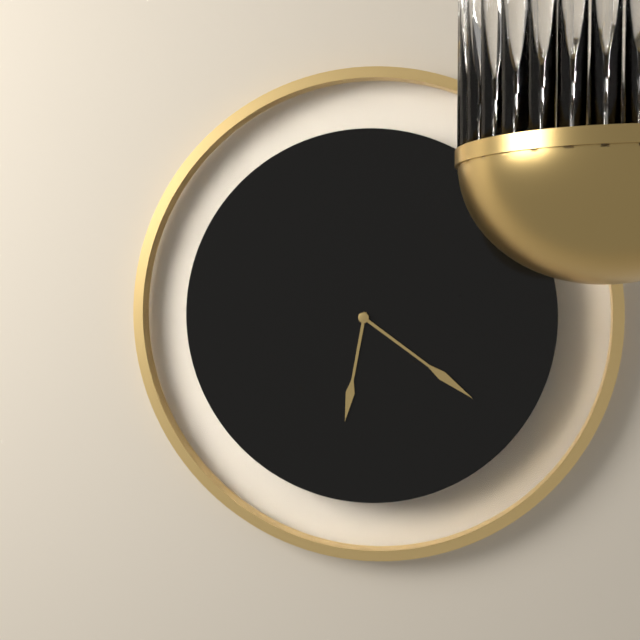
{"hour": 6, "minute": 21}
